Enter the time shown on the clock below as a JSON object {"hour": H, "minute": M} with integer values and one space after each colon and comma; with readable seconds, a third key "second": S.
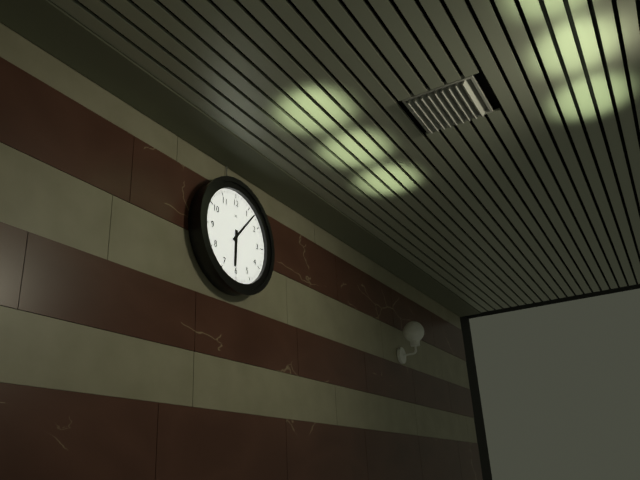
{"hour": 6, "minute": 7}
